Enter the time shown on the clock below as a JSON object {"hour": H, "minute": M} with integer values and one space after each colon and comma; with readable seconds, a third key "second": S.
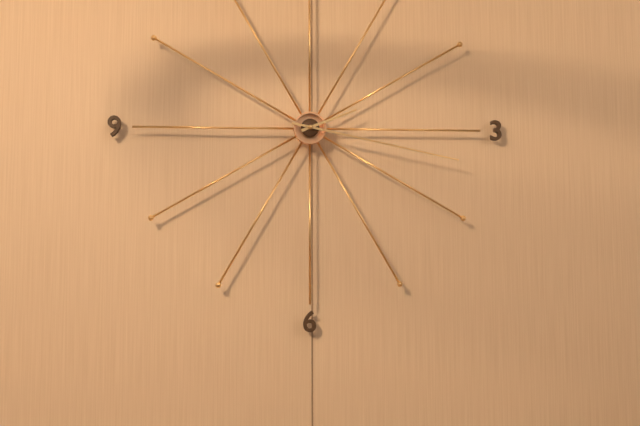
{"hour": 2, "minute": 17}
